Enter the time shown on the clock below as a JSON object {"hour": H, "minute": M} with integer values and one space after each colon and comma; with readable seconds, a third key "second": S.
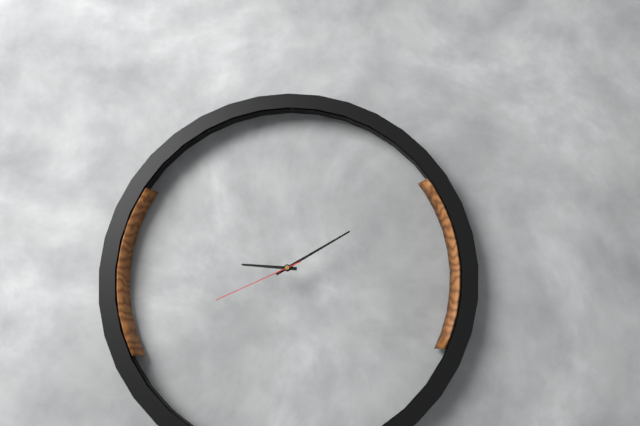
{"hour": 9, "minute": 10, "second": 41}
